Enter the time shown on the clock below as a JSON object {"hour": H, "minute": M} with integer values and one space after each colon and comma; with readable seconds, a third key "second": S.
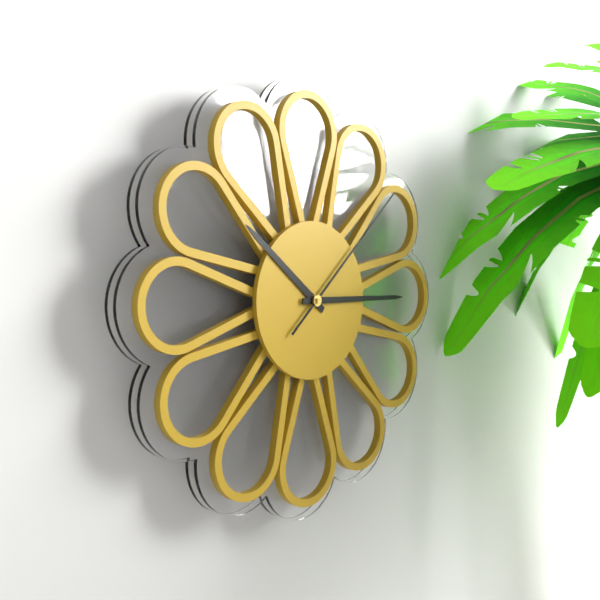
{"hour": 10, "minute": 15, "second": 8}
